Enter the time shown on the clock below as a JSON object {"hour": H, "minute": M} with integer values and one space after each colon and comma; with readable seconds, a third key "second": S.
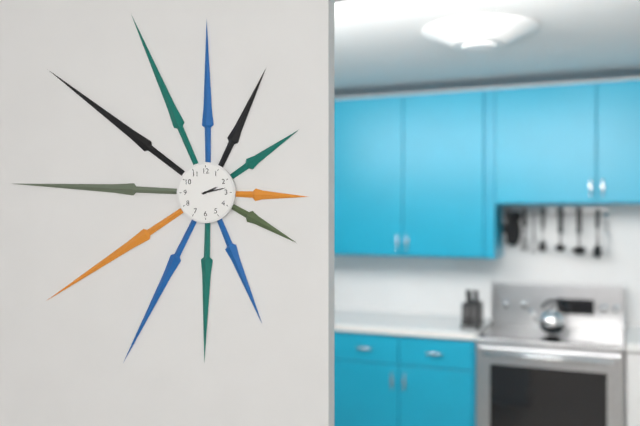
{"hour": 2, "minute": 13}
